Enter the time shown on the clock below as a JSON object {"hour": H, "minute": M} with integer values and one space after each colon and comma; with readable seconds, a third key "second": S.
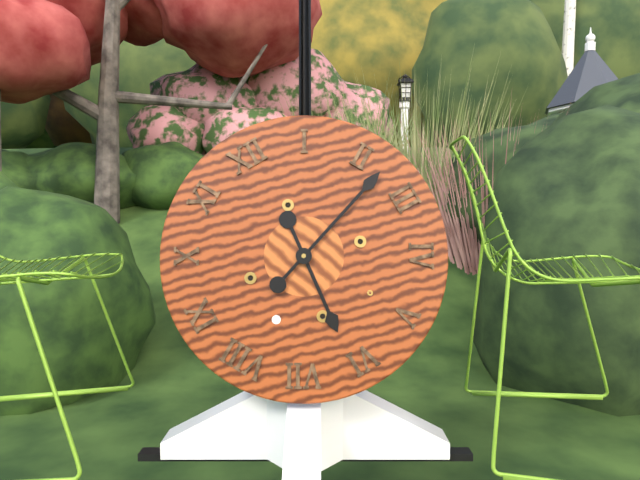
{"hour": 6, "minute": 12}
